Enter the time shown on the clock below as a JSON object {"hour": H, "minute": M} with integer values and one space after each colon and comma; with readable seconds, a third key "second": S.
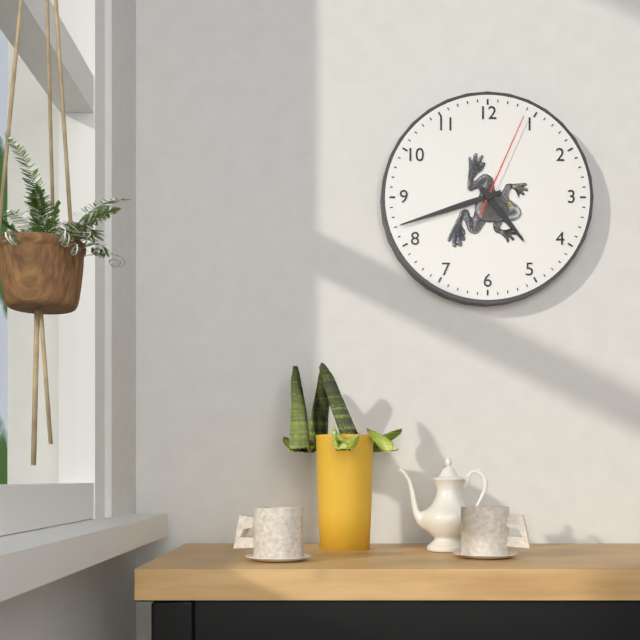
{"hour": 4, "minute": 42, "second": 4}
